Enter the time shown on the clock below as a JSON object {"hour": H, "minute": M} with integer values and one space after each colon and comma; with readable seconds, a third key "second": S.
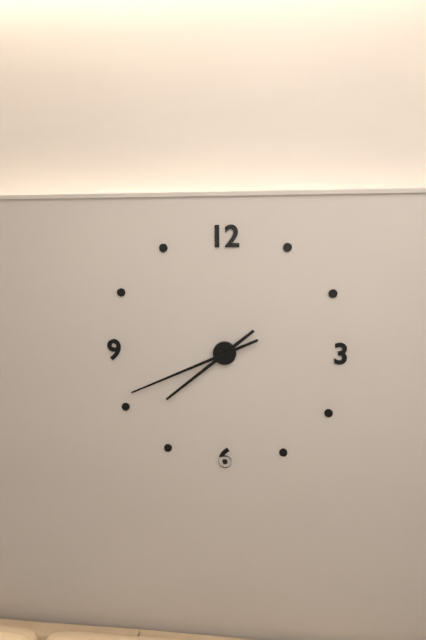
{"hour": 7, "minute": 41}
